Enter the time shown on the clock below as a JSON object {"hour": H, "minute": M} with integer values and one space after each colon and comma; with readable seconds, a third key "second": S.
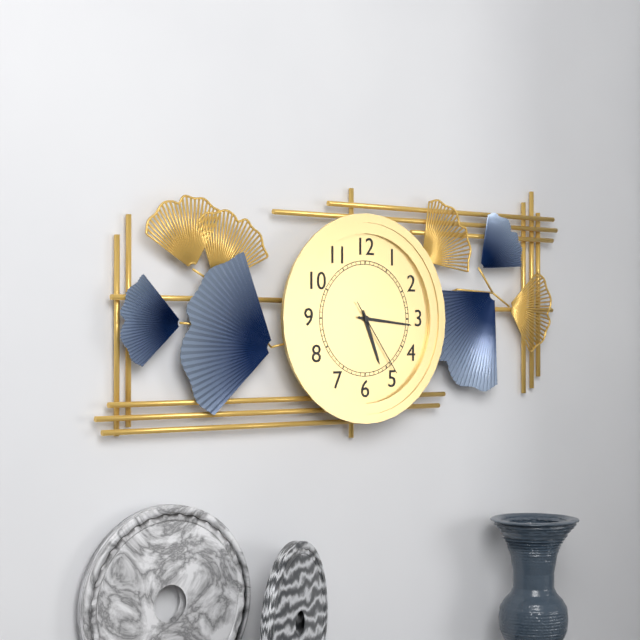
{"hour": 5, "minute": 16, "second": 24}
